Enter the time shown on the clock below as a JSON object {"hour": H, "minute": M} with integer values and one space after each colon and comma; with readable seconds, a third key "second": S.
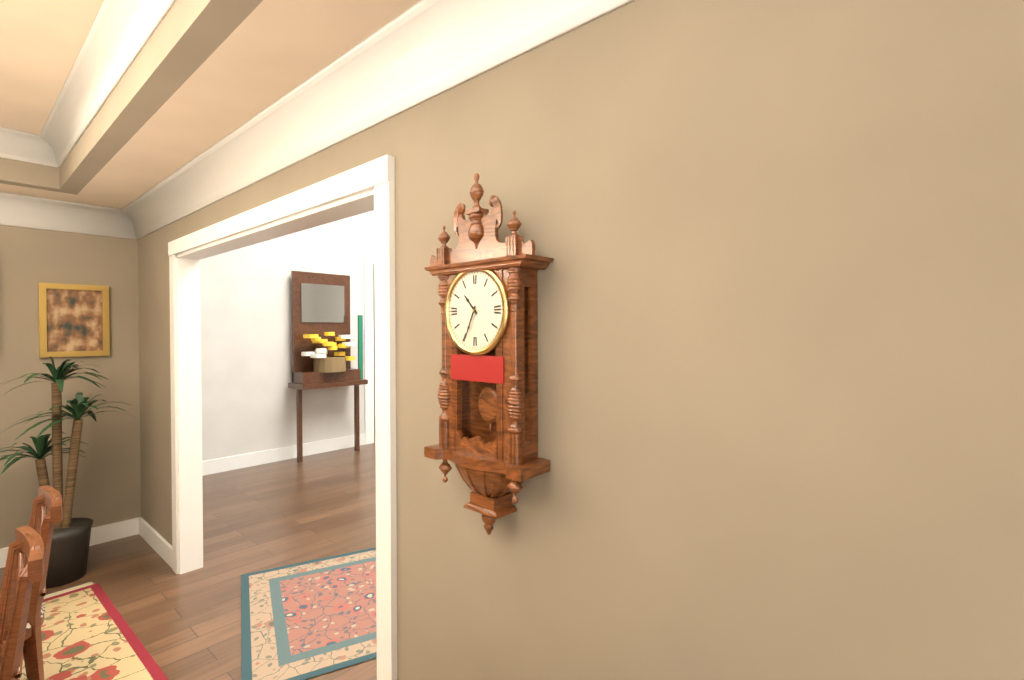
{"hour": 10, "minute": 34}
